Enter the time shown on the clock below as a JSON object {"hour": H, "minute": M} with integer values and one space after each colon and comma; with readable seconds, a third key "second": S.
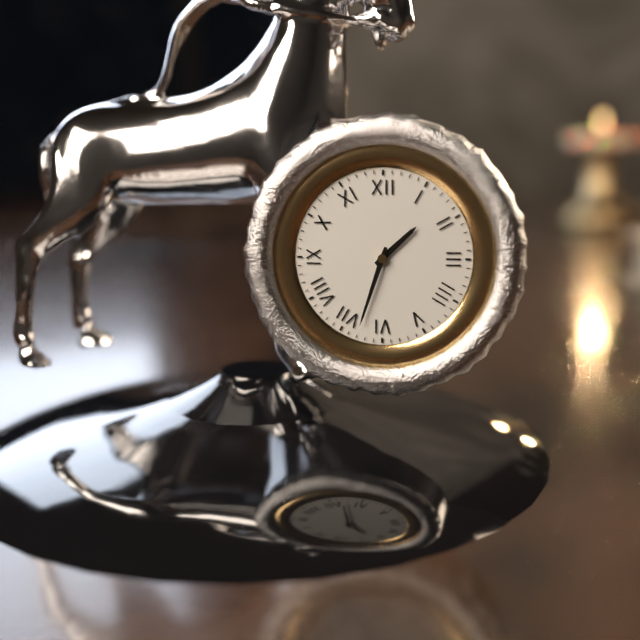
{"hour": 1, "minute": 33}
